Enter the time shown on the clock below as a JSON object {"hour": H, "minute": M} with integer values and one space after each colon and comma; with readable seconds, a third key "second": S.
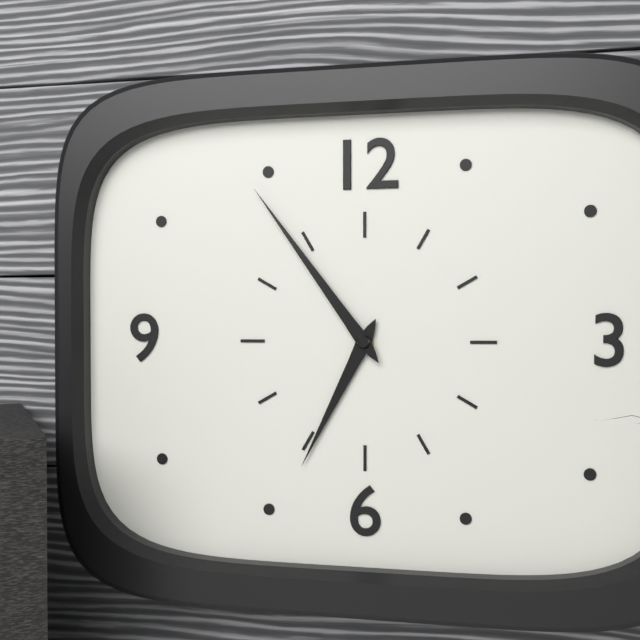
{"hour": 6, "minute": 54}
